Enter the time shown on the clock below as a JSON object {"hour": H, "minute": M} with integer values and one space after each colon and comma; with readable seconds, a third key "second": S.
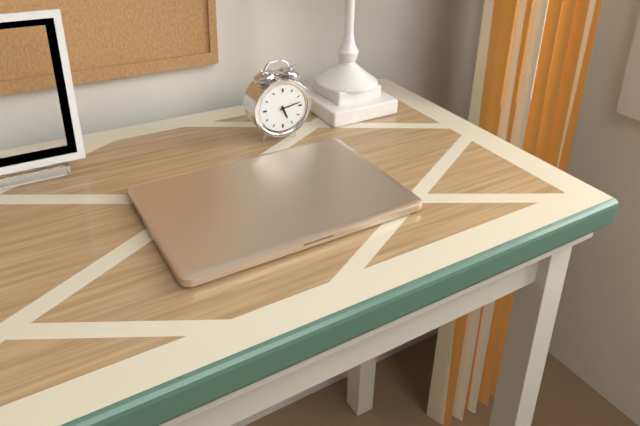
{"hour": 5, "minute": 13}
